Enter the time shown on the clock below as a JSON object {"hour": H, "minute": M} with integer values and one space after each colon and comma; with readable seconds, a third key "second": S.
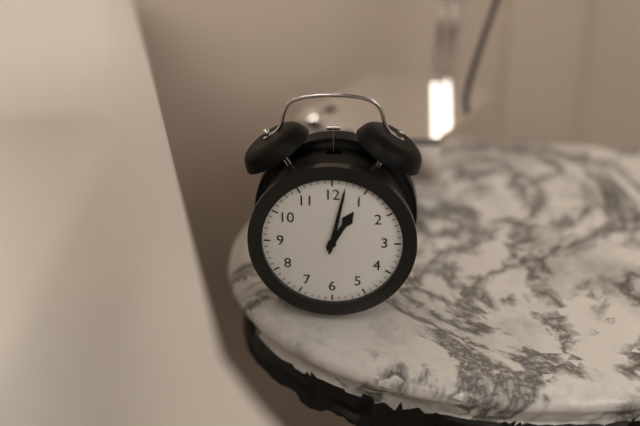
{"hour": 1, "minute": 2}
